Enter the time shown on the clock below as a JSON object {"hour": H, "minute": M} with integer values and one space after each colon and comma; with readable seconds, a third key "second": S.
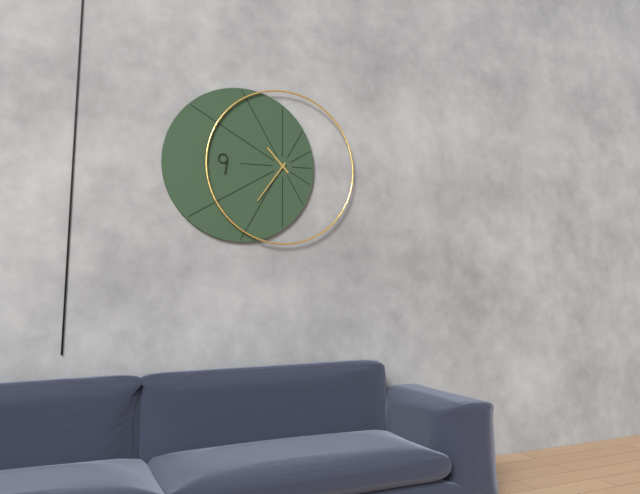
{"hour": 10, "minute": 36}
